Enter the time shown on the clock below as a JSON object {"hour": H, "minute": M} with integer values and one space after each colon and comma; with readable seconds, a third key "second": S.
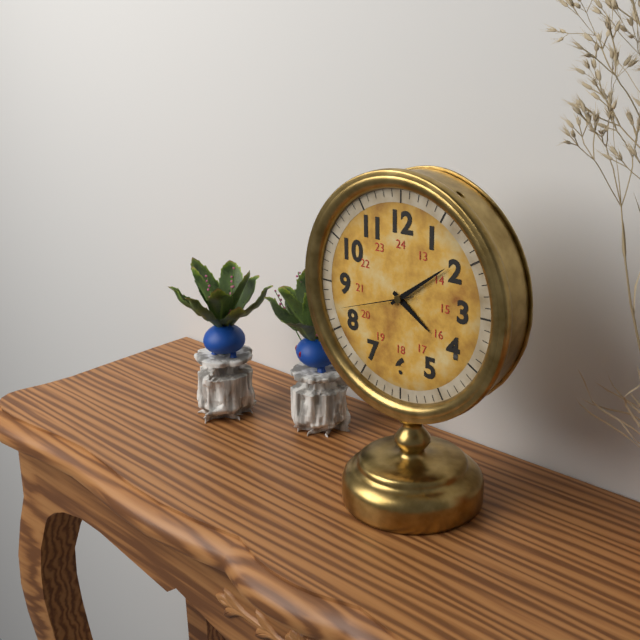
{"hour": 4, "minute": 9, "second": 42}
